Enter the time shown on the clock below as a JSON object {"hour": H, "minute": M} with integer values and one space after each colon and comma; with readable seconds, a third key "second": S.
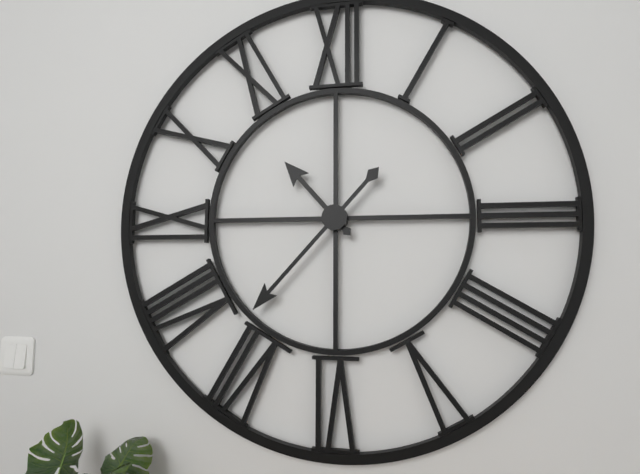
{"hour": 10, "minute": 37}
